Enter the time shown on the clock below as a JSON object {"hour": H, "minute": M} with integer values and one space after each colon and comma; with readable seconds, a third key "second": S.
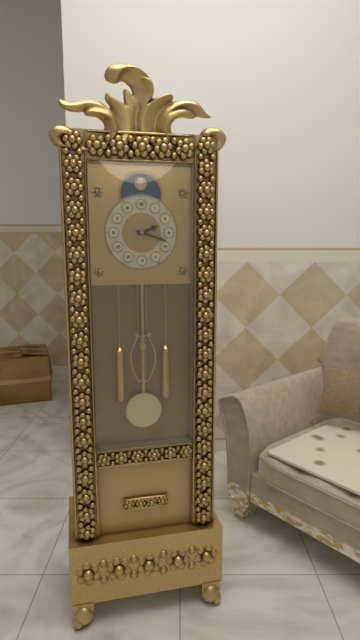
{"hour": 2, "minute": 18}
